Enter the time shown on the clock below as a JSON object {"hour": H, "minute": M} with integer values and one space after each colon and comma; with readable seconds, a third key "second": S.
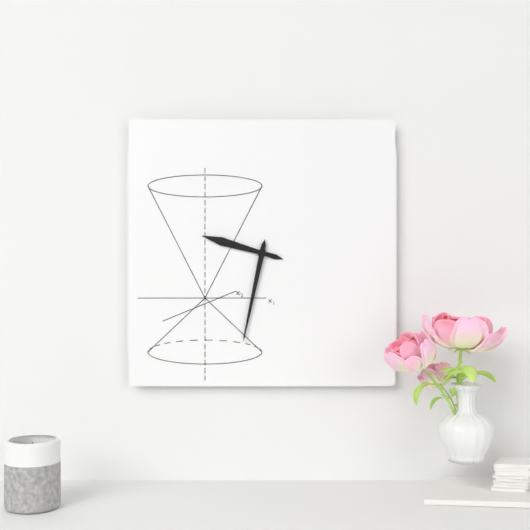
{"hour": 9, "minute": 32}
